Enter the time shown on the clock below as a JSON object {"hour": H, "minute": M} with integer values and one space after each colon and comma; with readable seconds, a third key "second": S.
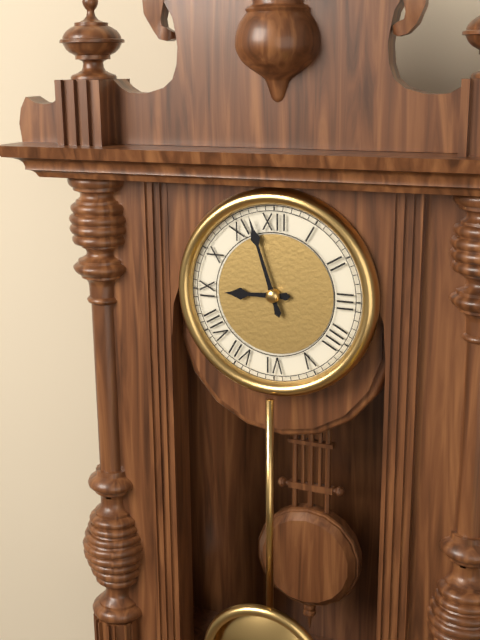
{"hour": 8, "minute": 57}
